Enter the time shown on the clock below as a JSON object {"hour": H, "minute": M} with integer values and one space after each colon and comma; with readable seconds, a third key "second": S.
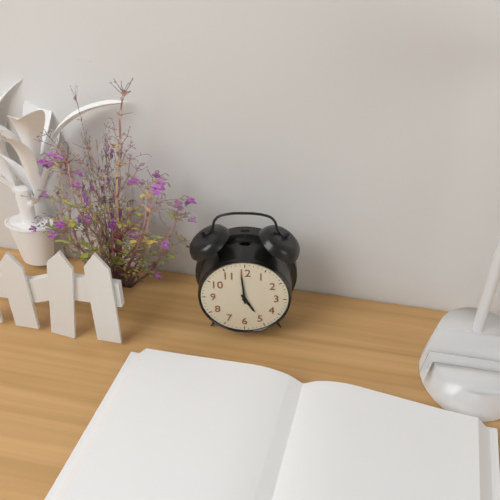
{"hour": 4, "minute": 59}
